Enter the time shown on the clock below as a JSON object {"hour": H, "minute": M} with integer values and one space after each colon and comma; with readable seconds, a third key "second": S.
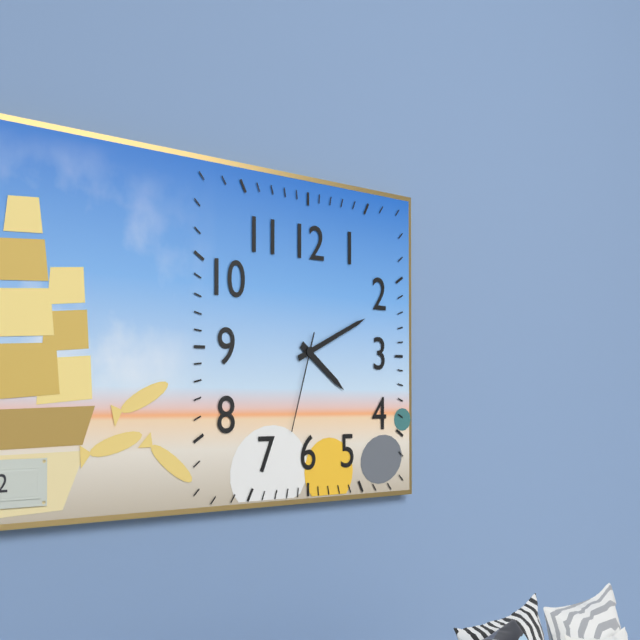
{"hour": 4, "minute": 11, "second": 33}
